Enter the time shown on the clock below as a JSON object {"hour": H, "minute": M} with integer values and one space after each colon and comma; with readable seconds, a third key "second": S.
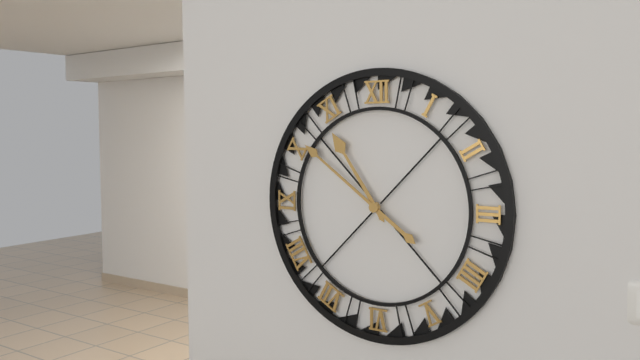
{"hour": 10, "minute": 51}
